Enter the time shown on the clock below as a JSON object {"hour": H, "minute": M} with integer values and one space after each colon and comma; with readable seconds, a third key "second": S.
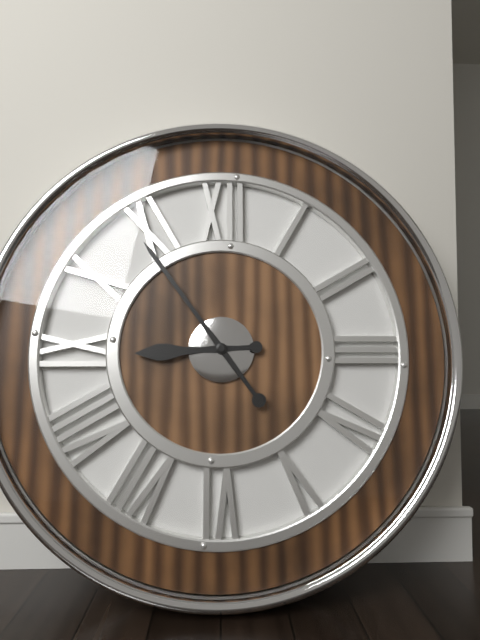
{"hour": 8, "minute": 54}
